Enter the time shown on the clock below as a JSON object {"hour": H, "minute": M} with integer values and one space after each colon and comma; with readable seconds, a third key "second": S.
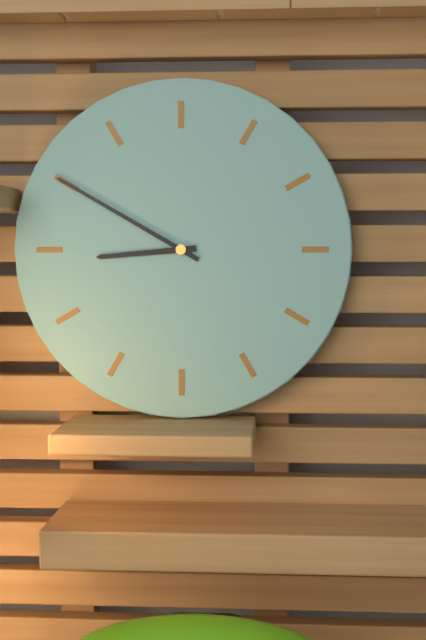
{"hour": 8, "minute": 50}
